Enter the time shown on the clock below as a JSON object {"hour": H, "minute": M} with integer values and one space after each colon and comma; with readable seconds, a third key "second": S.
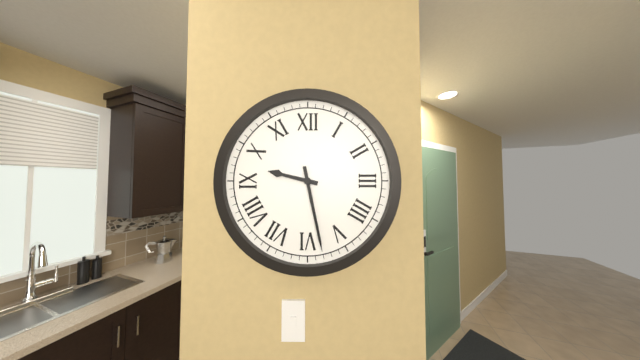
{"hour": 9, "minute": 28}
